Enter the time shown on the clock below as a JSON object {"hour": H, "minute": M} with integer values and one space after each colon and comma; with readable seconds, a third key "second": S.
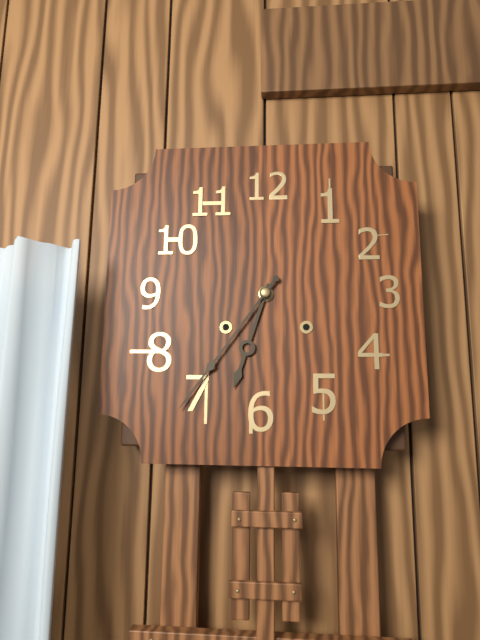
{"hour": 6, "minute": 36}
